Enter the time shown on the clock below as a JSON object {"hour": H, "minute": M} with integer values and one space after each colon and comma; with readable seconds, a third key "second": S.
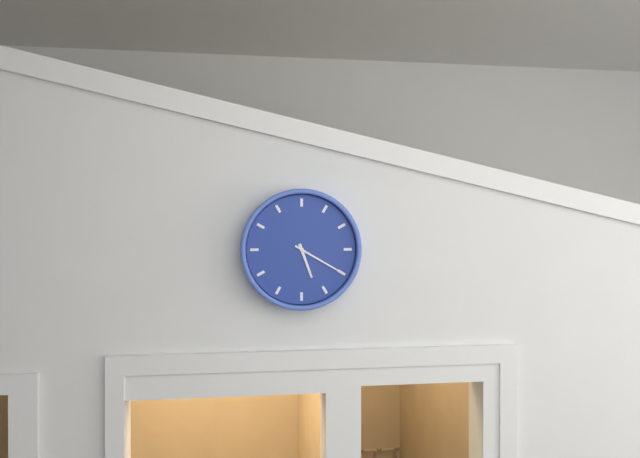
{"hour": 5, "minute": 20}
